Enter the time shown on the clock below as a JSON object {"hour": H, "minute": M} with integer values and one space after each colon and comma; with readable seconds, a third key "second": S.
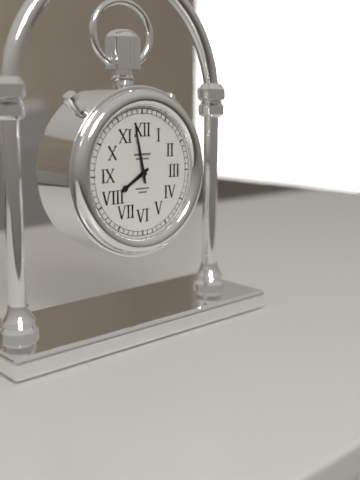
{"hour": 7, "minute": 58}
